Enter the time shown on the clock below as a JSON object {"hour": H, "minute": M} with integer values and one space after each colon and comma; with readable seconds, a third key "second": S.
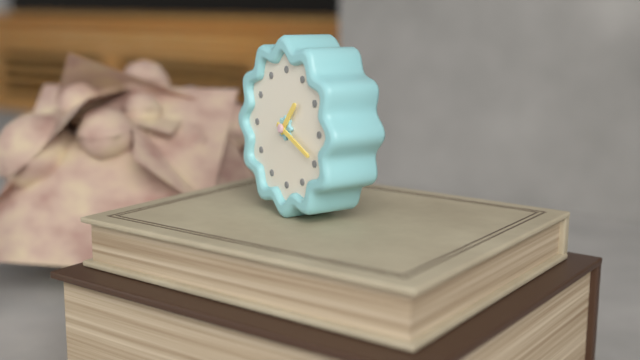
{"hour": 1, "minute": 19}
